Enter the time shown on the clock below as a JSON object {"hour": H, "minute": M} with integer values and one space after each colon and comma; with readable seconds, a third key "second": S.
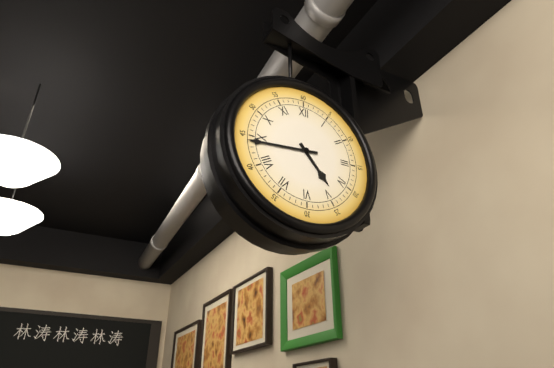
{"hour": 4, "minute": 44}
